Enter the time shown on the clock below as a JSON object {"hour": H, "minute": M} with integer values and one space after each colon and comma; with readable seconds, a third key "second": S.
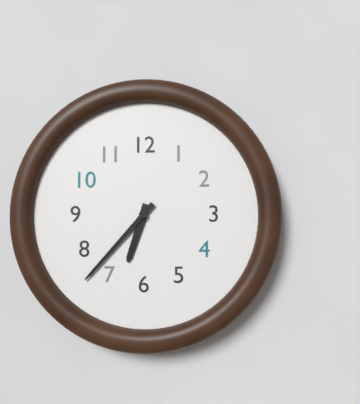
{"hour": 6, "minute": 37}
